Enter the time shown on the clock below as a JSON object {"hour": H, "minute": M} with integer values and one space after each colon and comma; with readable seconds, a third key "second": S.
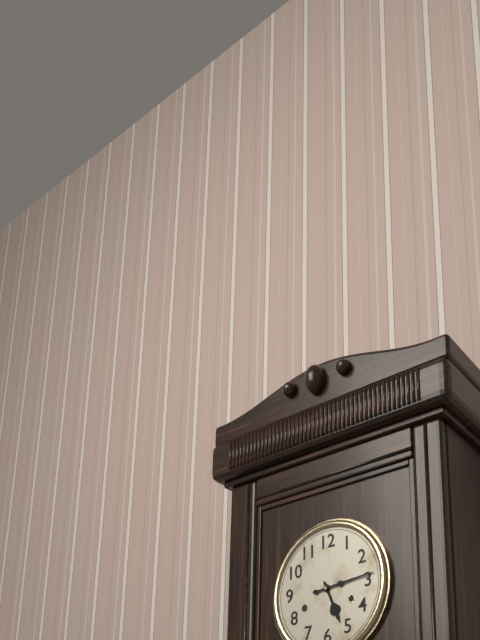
{"hour": 5, "minute": 14}
